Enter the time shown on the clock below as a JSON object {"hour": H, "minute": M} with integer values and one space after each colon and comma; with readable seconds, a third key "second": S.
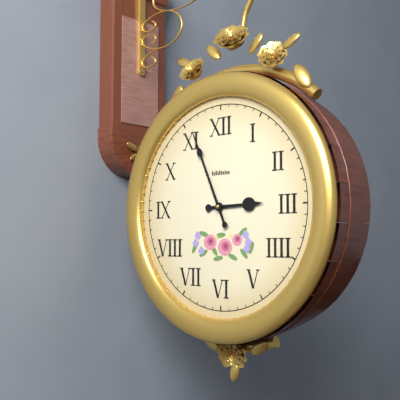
{"hour": 2, "minute": 56}
